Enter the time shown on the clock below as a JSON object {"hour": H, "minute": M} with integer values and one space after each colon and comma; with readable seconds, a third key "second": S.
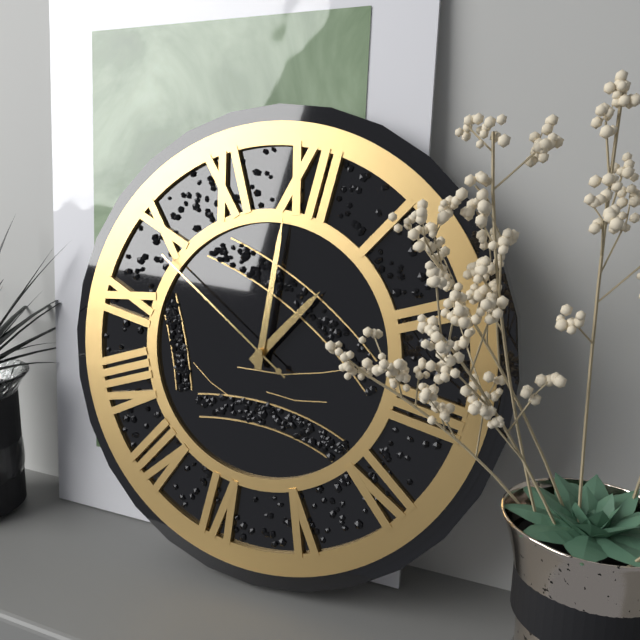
{"hour": 12, "minute": 59, "second": 49}
